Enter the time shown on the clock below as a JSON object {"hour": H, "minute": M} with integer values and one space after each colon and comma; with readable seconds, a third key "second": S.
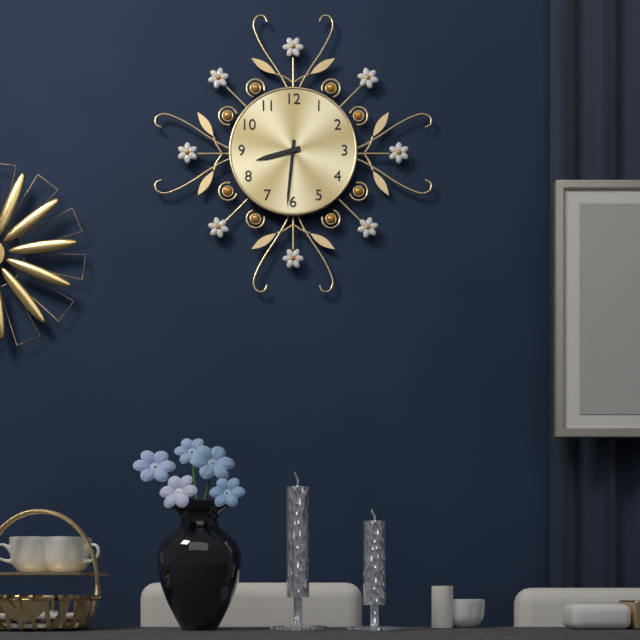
{"hour": 8, "minute": 31}
